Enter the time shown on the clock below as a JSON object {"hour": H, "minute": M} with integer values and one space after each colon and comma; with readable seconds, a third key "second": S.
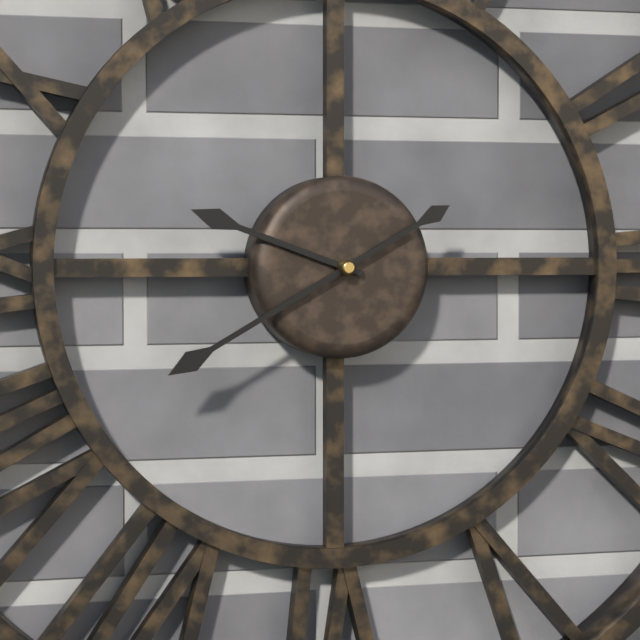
{"hour": 9, "minute": 40}
